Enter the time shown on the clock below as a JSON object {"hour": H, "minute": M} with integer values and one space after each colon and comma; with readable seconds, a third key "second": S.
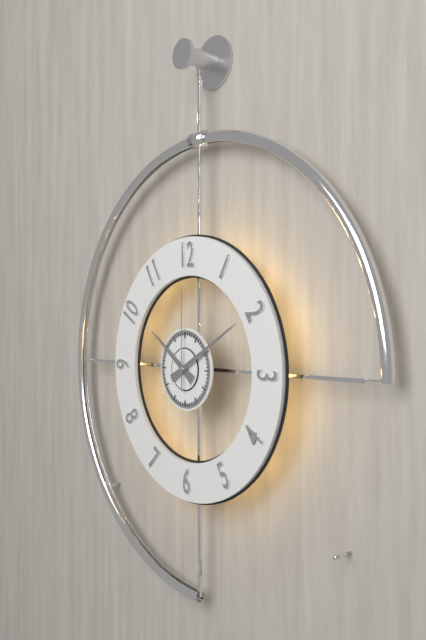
{"hour": 10, "minute": 10, "second": 0}
